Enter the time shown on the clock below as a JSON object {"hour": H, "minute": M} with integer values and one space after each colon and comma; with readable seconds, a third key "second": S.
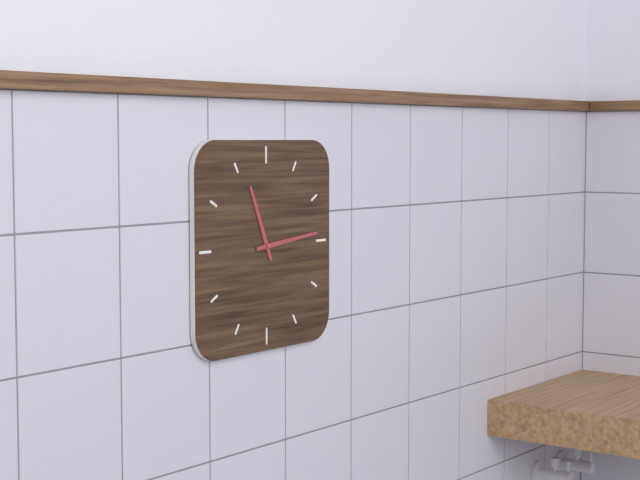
{"hour": 11, "minute": 14}
